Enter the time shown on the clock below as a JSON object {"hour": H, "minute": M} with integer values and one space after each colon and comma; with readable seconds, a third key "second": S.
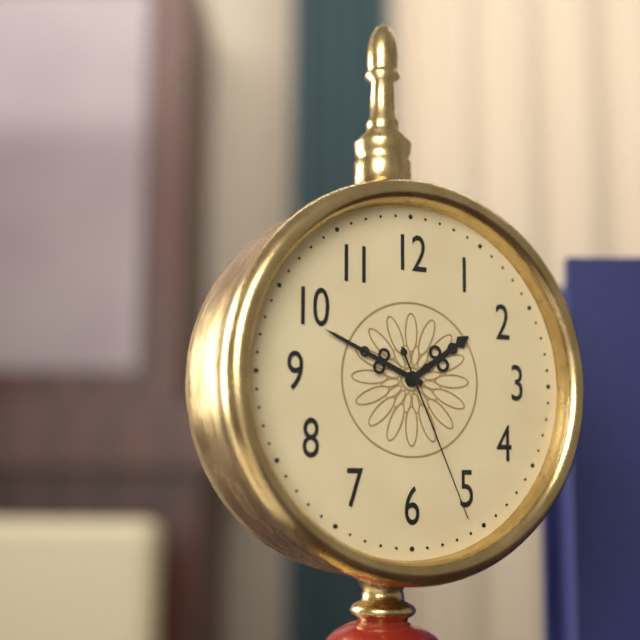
{"hour": 1, "minute": 49, "second": 26}
